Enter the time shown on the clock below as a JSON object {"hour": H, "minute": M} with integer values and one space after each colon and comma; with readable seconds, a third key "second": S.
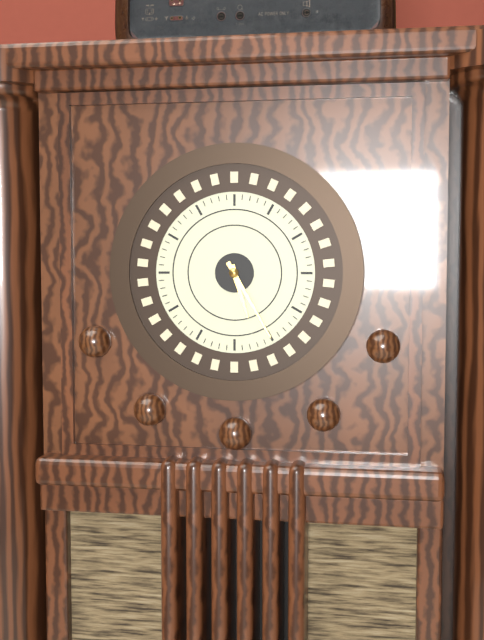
{"hour": 5, "minute": 25}
